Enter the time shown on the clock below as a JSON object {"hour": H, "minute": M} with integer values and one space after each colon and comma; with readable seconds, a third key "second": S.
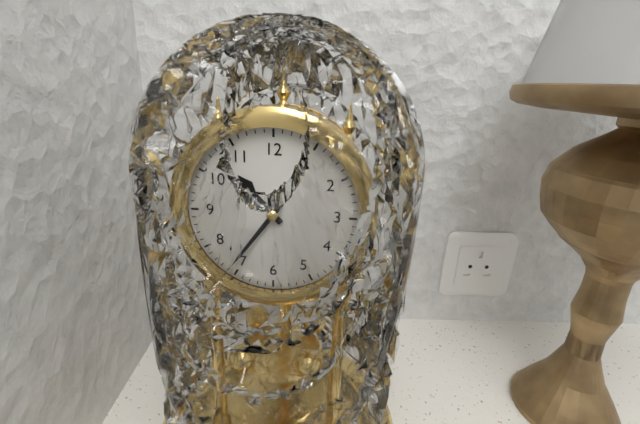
{"hour": 10, "minute": 36}
